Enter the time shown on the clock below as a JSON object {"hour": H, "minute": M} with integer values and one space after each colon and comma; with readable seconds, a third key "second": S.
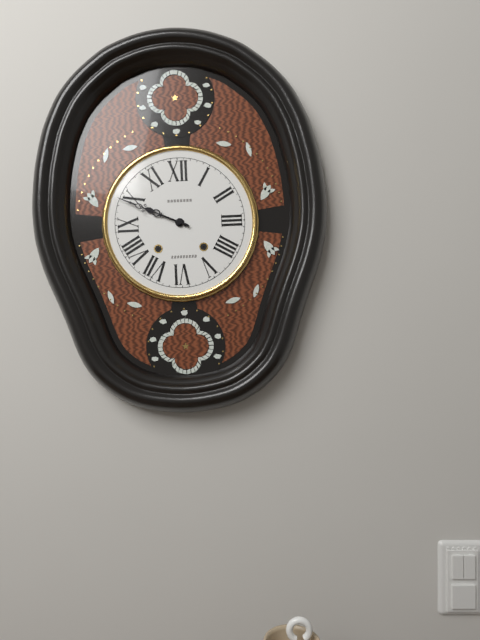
{"hour": 9, "minute": 49}
